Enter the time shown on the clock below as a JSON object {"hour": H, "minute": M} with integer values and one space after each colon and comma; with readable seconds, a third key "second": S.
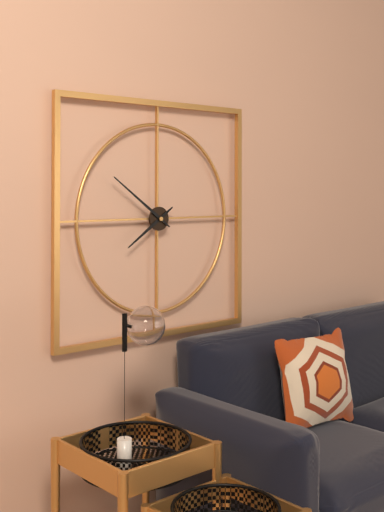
{"hour": 7, "minute": 51}
